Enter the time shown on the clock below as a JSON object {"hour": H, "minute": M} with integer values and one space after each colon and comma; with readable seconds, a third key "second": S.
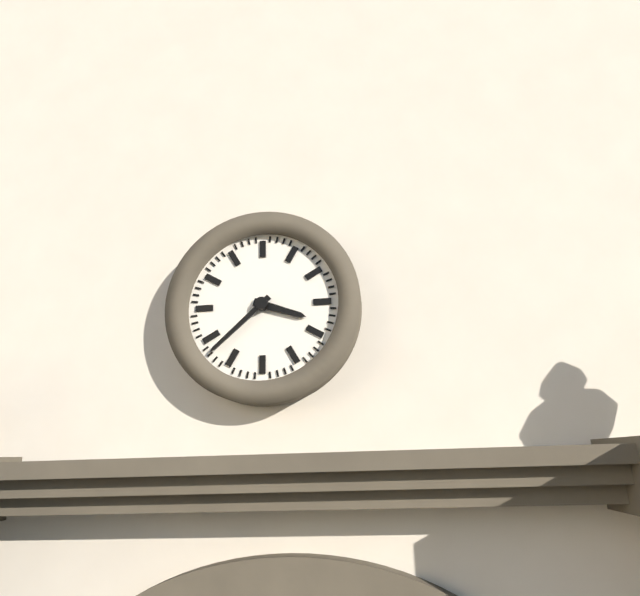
{"hour": 3, "minute": 38}
